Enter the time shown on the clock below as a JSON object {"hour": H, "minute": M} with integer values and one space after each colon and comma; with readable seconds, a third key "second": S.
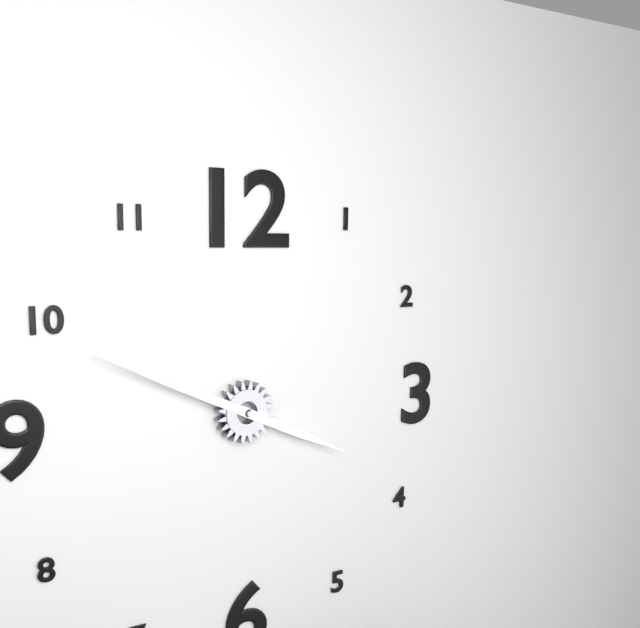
{"hour": 3, "minute": 49}
